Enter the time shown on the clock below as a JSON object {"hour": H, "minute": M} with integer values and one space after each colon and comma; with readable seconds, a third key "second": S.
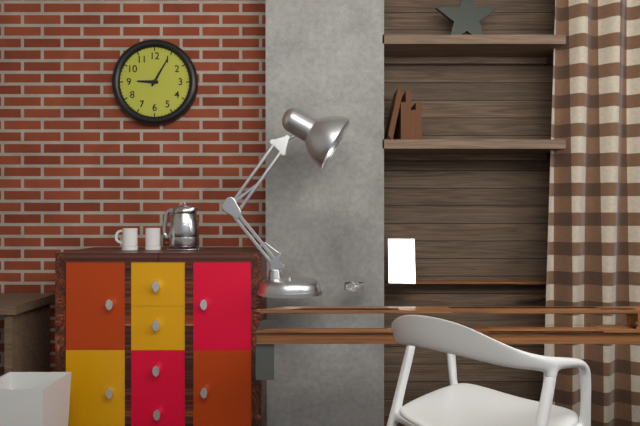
{"hour": 9, "minute": 5}
